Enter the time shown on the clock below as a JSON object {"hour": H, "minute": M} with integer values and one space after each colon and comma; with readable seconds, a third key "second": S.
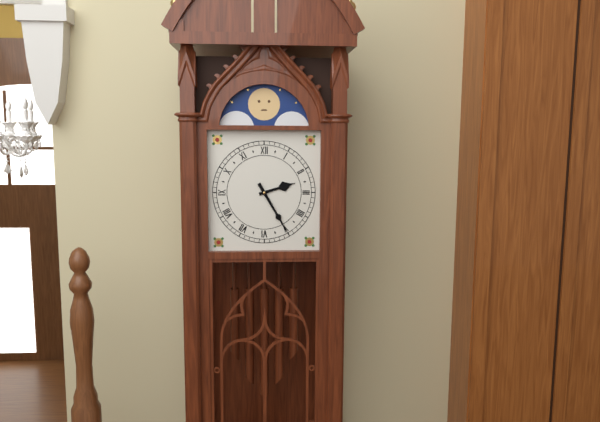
{"hour": 2, "minute": 25}
